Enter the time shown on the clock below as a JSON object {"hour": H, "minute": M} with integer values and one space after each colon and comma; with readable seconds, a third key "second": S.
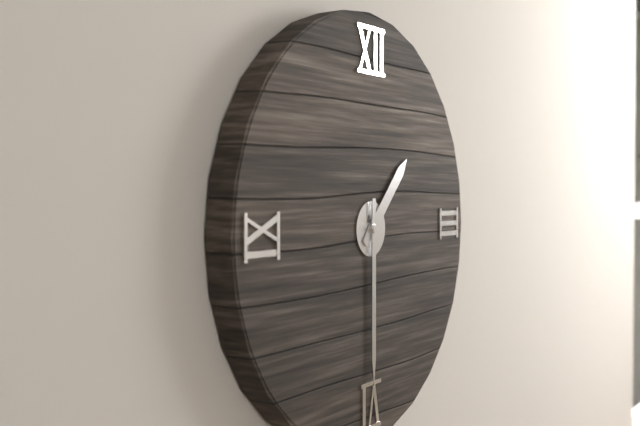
{"hour": 1, "minute": 30}
